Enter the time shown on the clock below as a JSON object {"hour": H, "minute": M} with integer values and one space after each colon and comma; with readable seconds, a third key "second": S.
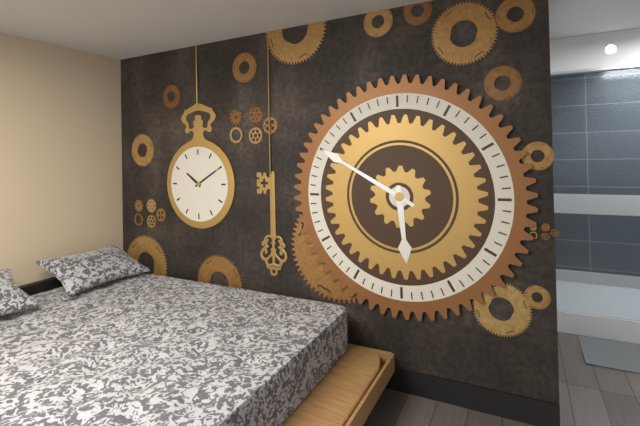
{"hour": 5, "minute": 50}
